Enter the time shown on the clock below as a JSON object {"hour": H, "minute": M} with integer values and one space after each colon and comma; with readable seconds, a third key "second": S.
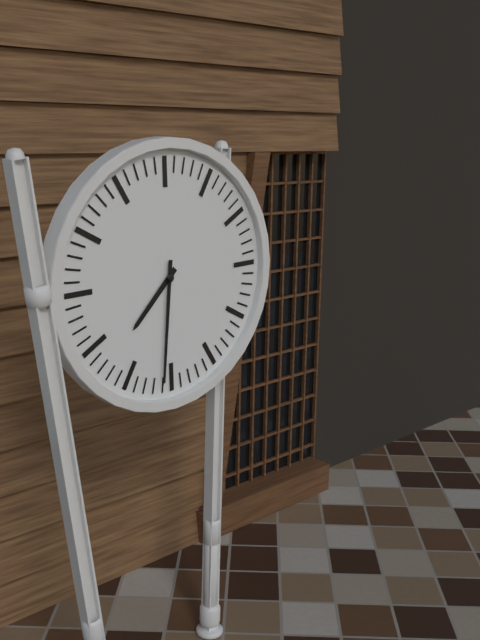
{"hour": 7, "minute": 31}
